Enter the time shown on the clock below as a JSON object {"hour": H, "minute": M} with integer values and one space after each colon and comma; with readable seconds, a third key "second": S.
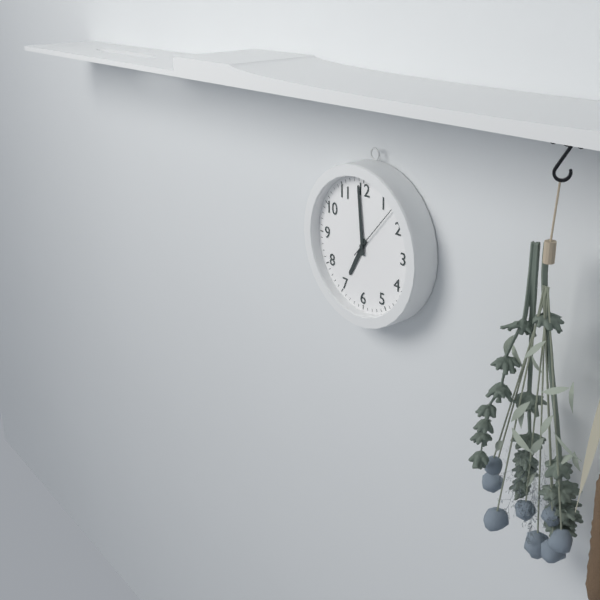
{"hour": 6, "minute": 59, "second": 7}
